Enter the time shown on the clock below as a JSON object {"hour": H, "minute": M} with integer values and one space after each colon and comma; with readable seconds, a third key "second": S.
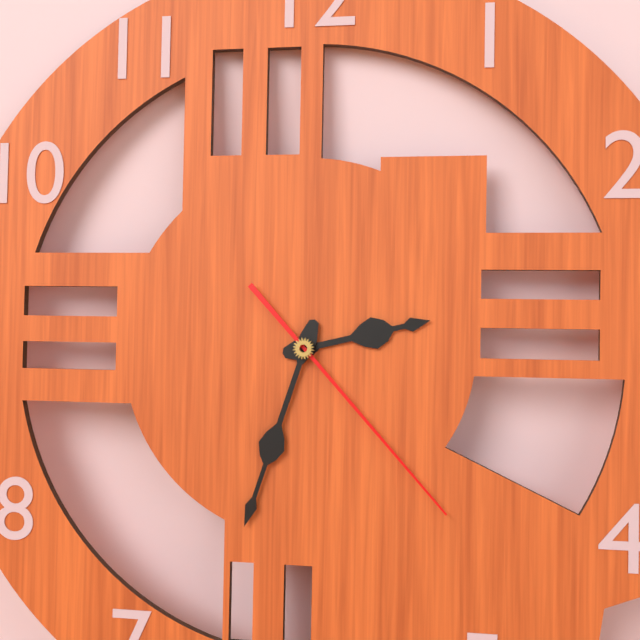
{"hour": 2, "minute": 33, "second": 23}
